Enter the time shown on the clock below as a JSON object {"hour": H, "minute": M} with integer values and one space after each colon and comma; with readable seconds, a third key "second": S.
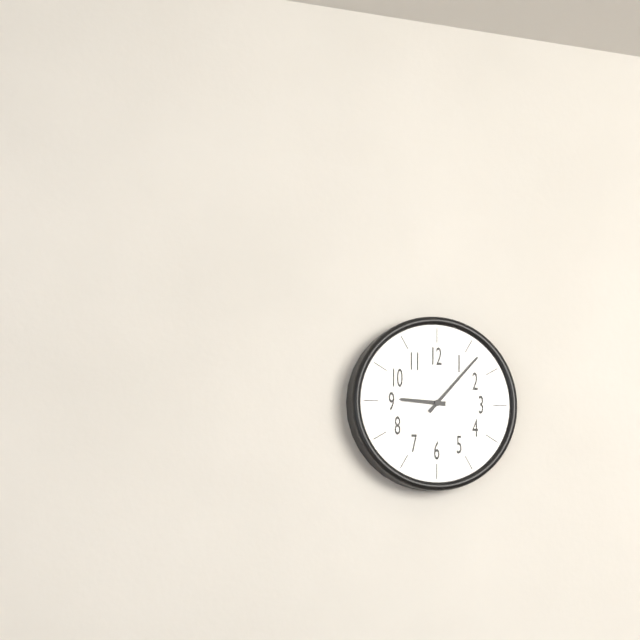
{"hour": 9, "minute": 7}
